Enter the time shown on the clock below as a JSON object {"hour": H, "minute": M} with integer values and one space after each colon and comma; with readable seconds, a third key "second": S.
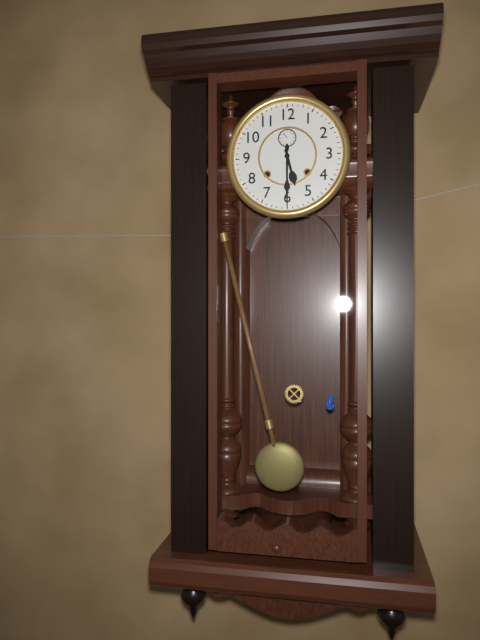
{"hour": 5, "minute": 30}
